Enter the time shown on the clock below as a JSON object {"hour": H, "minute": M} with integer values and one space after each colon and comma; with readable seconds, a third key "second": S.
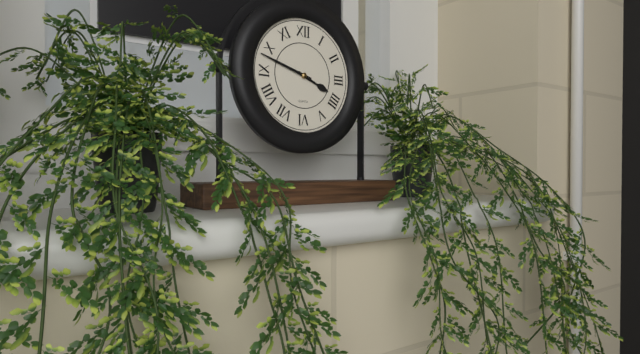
{"hour": 3, "minute": 48}
